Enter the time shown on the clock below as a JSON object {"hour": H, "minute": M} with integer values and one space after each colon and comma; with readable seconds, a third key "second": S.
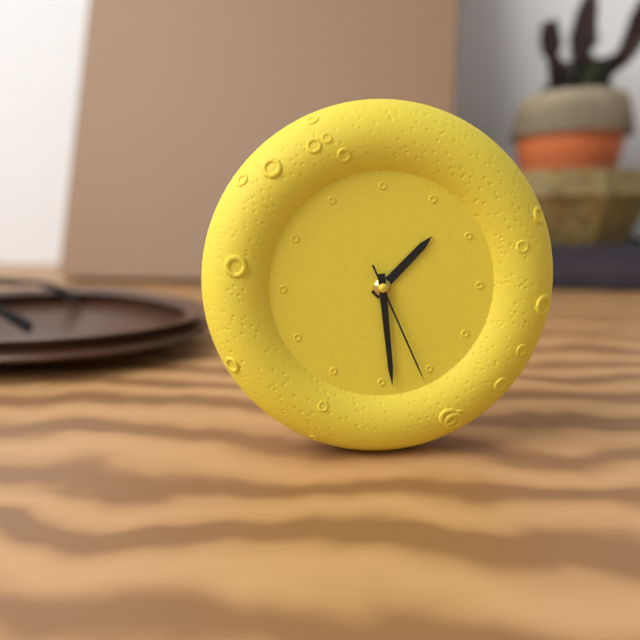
{"hour": 1, "minute": 29, "second": 26}
